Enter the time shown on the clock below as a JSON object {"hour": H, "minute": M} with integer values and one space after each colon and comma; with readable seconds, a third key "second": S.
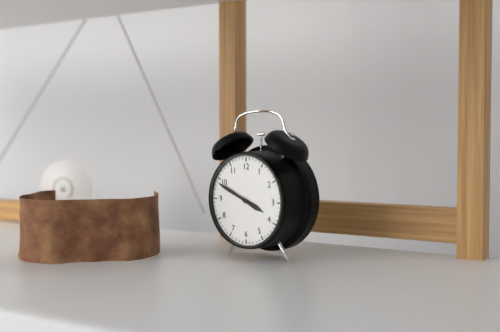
{"hour": 3, "minute": 49}
